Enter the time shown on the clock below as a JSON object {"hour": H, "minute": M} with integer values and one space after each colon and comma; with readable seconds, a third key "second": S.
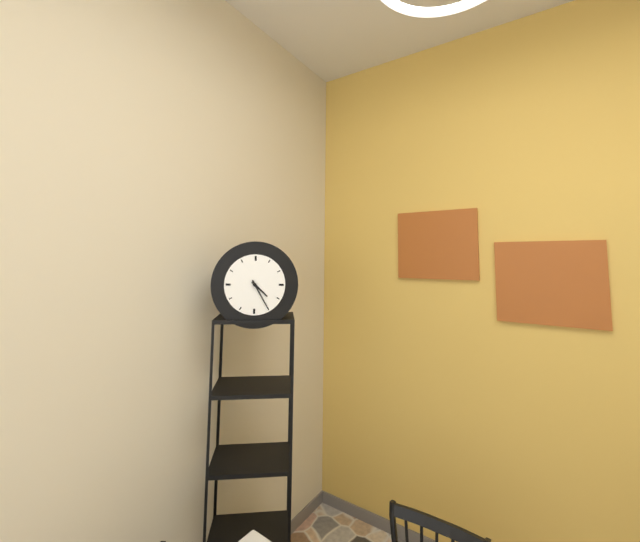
{"hour": 4, "minute": 25}
